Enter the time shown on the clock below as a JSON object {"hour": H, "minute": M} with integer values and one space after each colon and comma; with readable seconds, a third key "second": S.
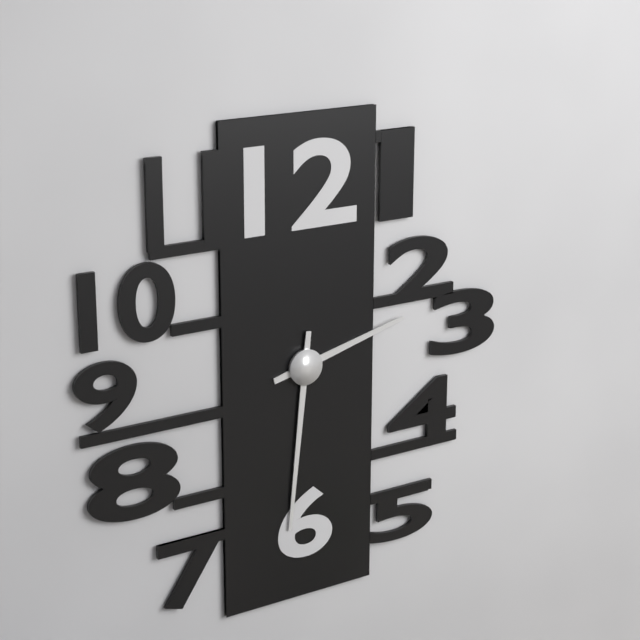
{"hour": 2, "minute": 31}
